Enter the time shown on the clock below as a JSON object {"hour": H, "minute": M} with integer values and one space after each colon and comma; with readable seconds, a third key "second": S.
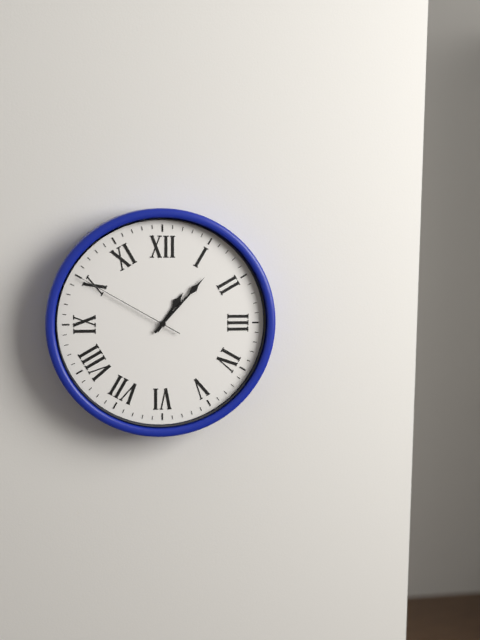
{"hour": 1, "minute": 7, "second": 50}
